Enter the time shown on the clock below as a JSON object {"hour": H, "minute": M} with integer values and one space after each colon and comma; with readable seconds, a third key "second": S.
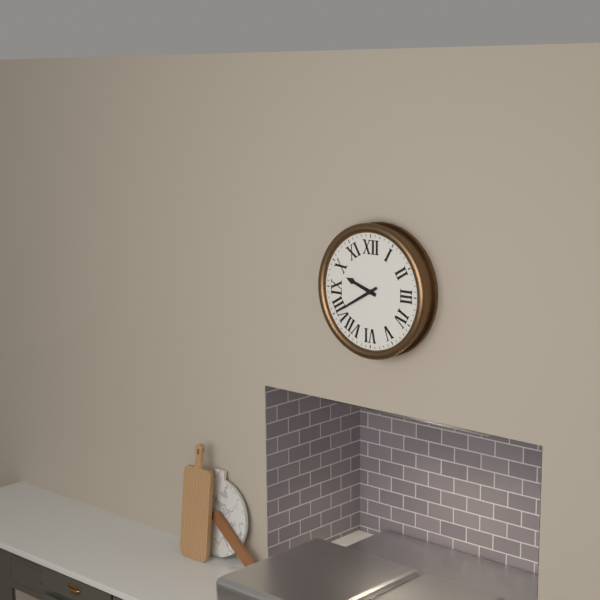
{"hour": 9, "minute": 40}
